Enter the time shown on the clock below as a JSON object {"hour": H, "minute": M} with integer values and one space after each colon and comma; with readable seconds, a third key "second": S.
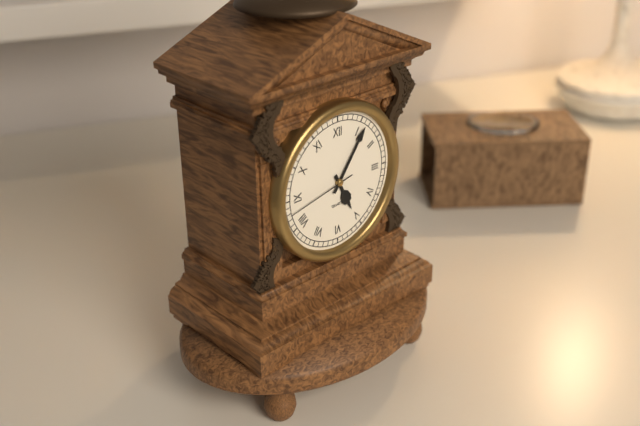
{"hour": 5, "minute": 6, "second": 43}
